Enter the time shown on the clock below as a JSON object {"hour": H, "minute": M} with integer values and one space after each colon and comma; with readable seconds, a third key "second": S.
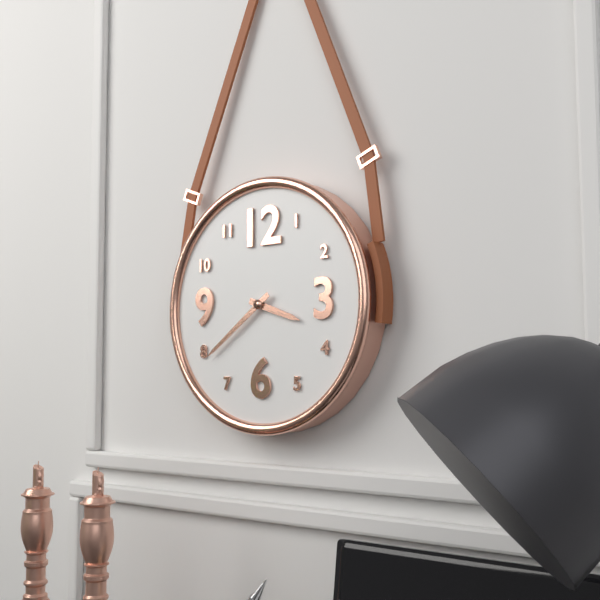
{"hour": 3, "minute": 39}
